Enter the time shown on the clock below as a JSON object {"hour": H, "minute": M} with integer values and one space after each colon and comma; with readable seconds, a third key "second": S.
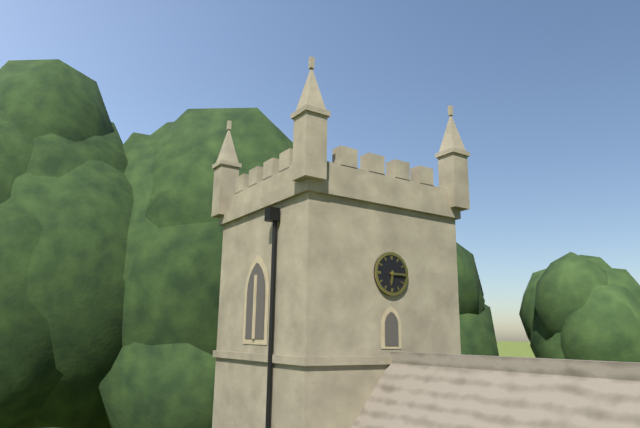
{"hour": 6, "minute": 15}
